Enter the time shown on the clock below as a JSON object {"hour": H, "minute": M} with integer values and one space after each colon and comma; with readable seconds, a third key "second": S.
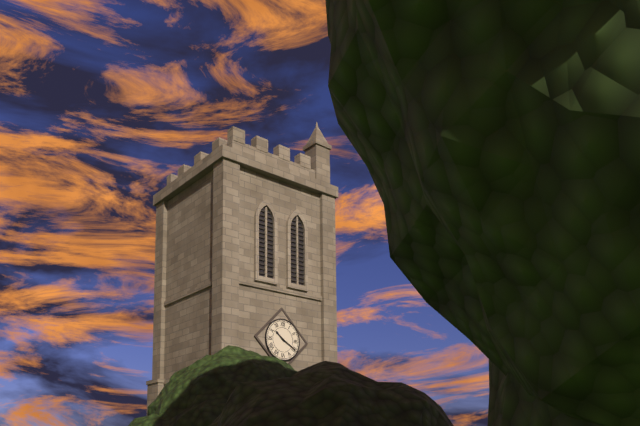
{"hour": 10, "minute": 20}
